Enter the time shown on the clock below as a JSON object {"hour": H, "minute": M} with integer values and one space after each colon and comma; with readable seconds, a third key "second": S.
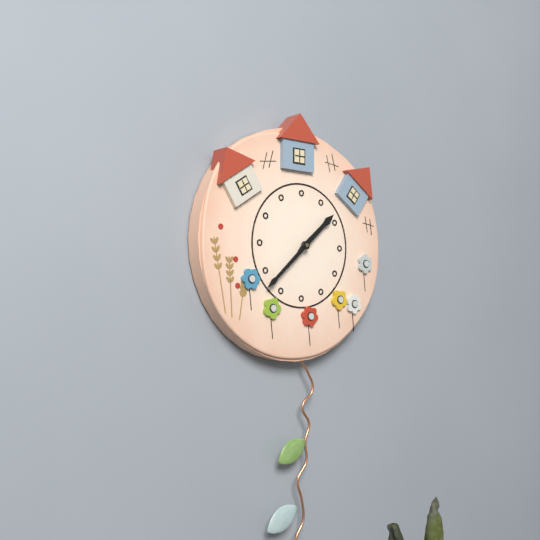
{"hour": 1, "minute": 38}
